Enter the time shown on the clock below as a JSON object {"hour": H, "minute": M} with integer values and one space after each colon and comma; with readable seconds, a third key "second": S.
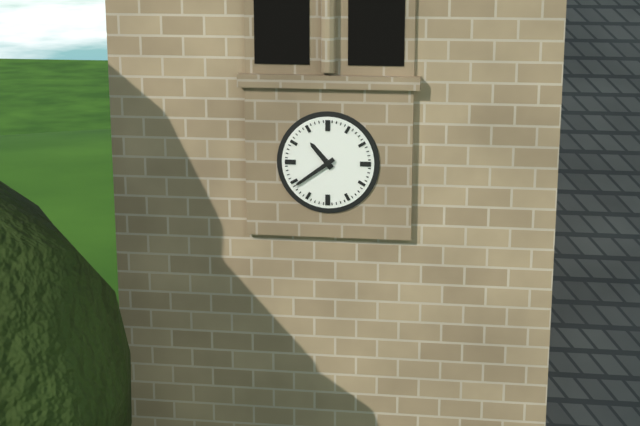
{"hour": 10, "minute": 39}
